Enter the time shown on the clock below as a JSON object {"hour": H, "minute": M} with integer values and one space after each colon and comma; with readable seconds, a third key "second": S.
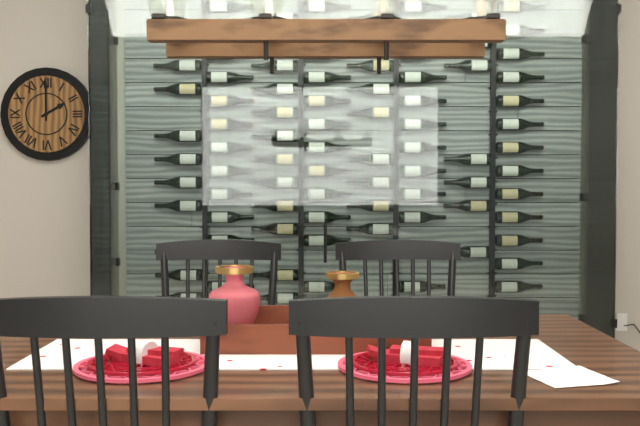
{"hour": 2, "minute": 0}
